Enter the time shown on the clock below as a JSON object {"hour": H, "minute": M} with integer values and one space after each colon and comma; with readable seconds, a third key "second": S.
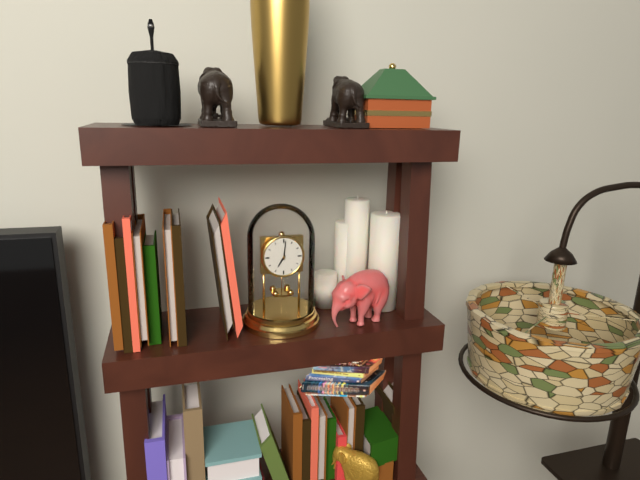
{"hour": 7, "minute": 1}
